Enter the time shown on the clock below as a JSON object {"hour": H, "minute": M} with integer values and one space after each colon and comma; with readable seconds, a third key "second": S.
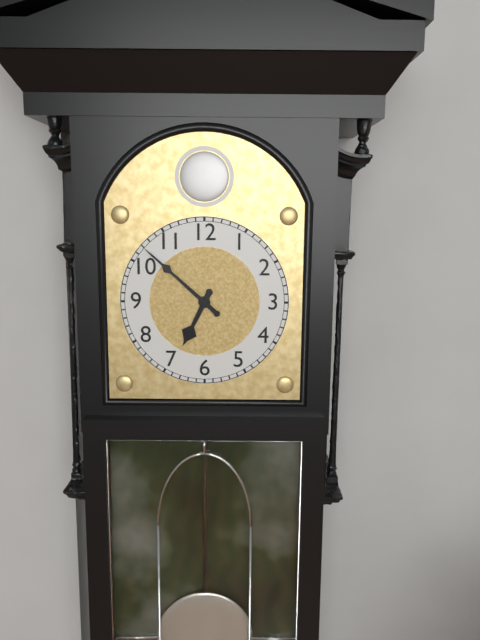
{"hour": 6, "minute": 52}
